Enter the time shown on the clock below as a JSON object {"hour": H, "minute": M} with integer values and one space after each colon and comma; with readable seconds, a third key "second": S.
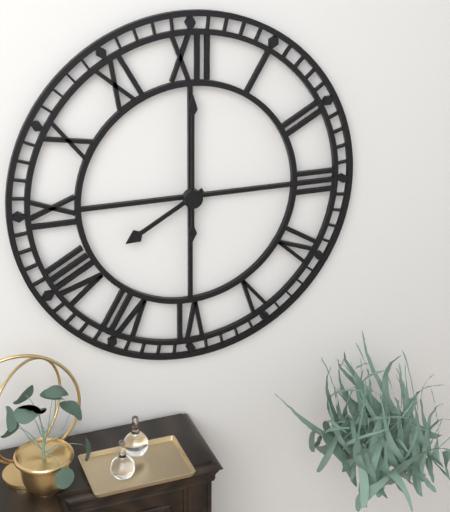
{"hour": 8, "minute": 0}
